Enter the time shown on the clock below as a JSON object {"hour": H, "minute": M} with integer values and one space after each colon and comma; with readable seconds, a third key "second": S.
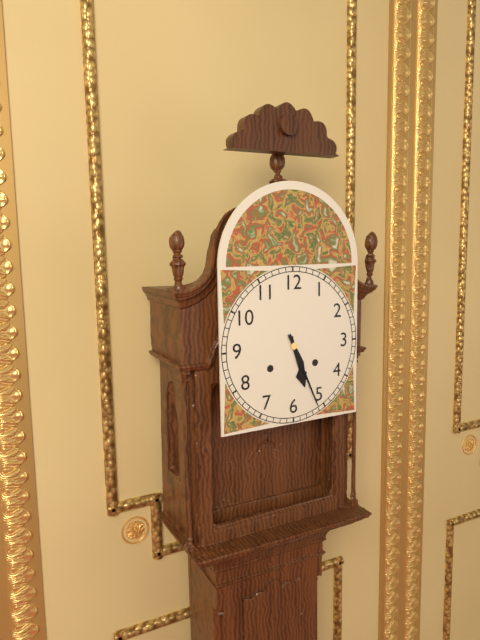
{"hour": 5, "minute": 26}
